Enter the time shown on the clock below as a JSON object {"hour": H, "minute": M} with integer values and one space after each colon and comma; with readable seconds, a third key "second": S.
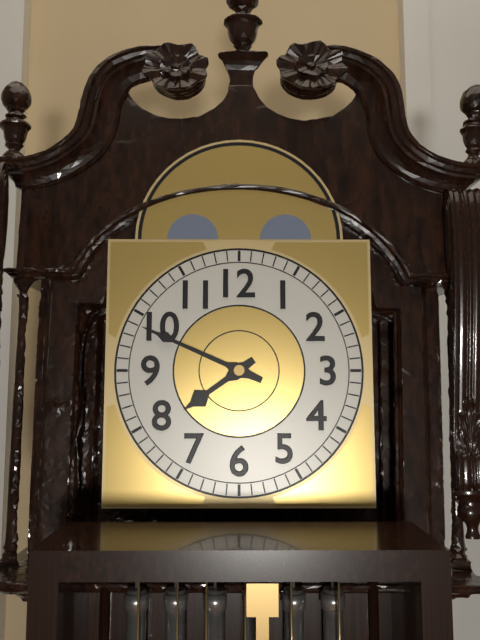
{"hour": 7, "minute": 49}
